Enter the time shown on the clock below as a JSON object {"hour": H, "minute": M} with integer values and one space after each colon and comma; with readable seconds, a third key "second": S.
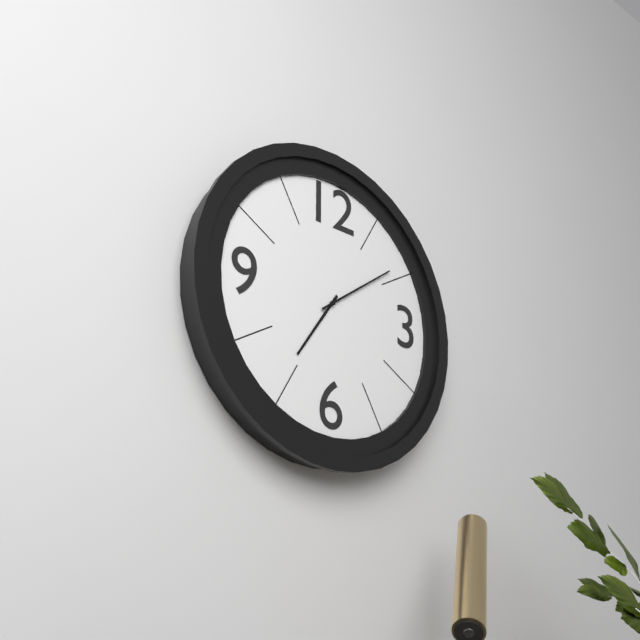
{"hour": 7, "minute": 9}
